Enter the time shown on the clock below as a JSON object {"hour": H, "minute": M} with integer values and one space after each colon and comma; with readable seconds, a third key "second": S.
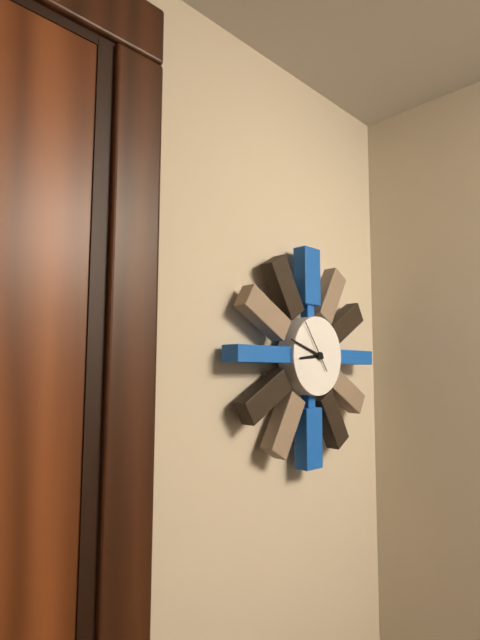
{"hour": 8, "minute": 48}
